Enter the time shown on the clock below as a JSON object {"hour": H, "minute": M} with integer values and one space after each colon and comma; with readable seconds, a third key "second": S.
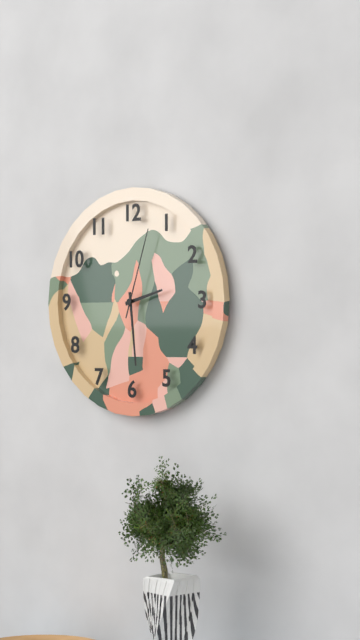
{"hour": 2, "minute": 29, "second": 3}
